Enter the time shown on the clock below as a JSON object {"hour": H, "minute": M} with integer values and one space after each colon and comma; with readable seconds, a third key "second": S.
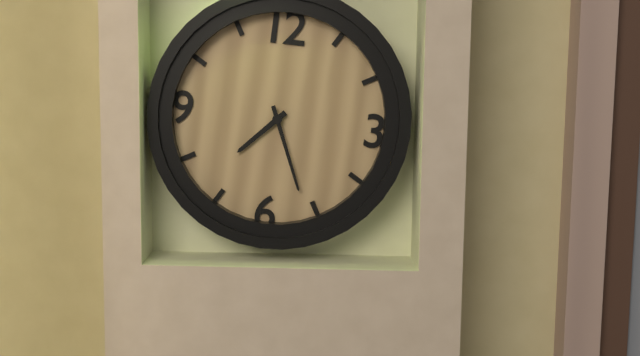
{"hour": 7, "minute": 26}
